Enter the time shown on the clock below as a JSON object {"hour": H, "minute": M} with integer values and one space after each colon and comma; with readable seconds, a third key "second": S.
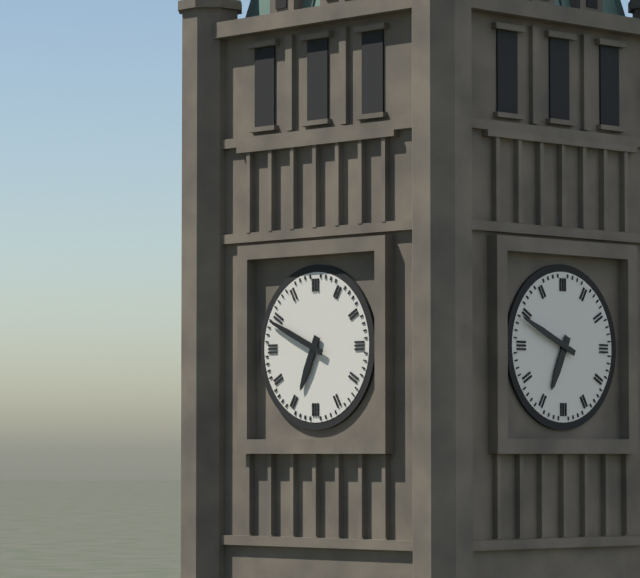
{"hour": 6, "minute": 49}
